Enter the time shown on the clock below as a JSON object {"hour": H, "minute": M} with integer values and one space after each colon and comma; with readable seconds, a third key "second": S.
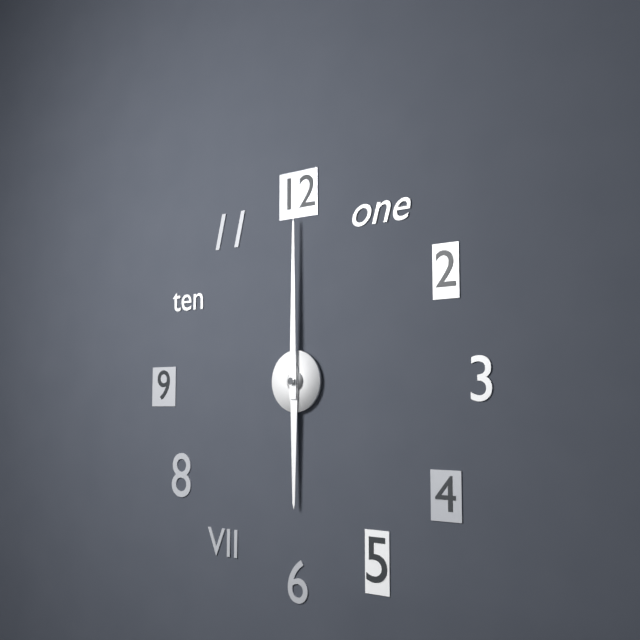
{"hour": 6, "minute": 0}
